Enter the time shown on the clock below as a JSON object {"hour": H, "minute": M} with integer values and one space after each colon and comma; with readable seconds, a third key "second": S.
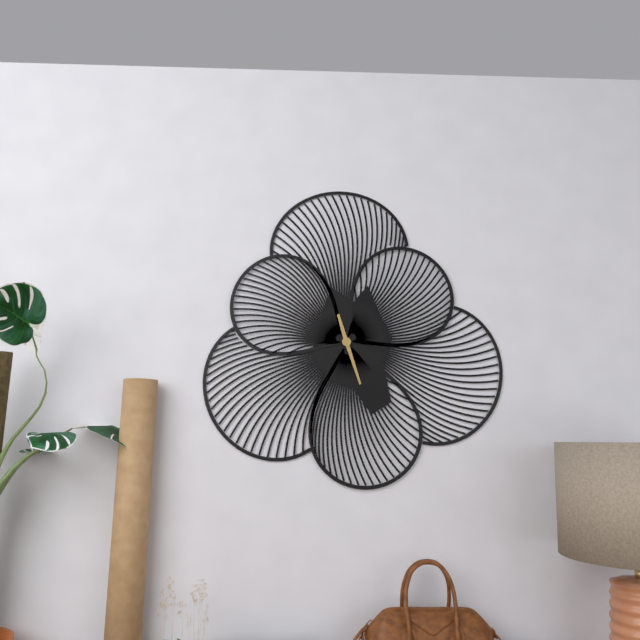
{"hour": 11, "minute": 27}
